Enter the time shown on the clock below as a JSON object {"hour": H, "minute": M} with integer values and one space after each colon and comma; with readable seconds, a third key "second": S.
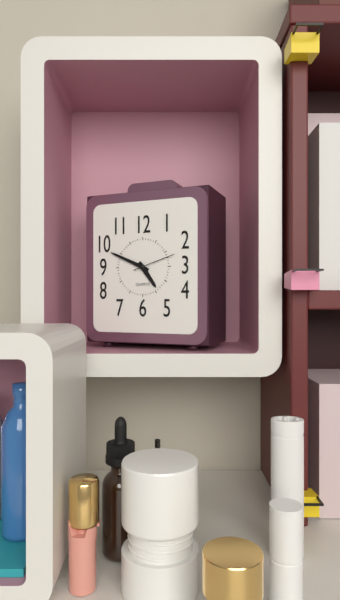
{"hour": 4, "minute": 49}
